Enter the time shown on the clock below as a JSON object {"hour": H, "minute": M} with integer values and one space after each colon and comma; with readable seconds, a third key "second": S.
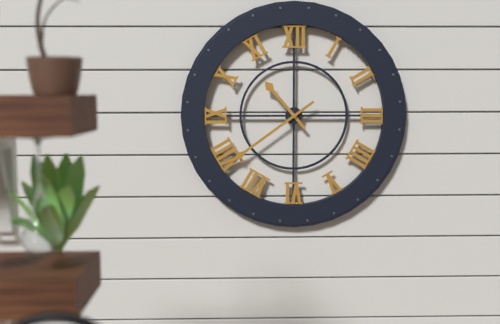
{"hour": 10, "minute": 39}
